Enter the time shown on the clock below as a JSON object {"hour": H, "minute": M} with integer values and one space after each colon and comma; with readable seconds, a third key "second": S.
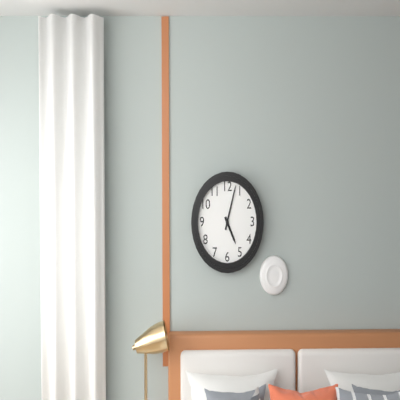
{"hour": 5, "minute": 3}
